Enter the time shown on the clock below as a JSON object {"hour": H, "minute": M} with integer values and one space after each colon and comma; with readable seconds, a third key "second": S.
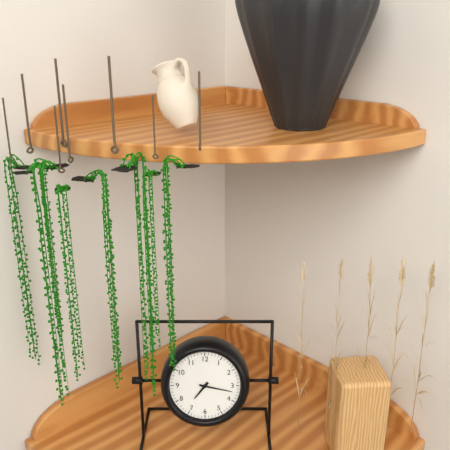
{"hour": 7, "minute": 17}
